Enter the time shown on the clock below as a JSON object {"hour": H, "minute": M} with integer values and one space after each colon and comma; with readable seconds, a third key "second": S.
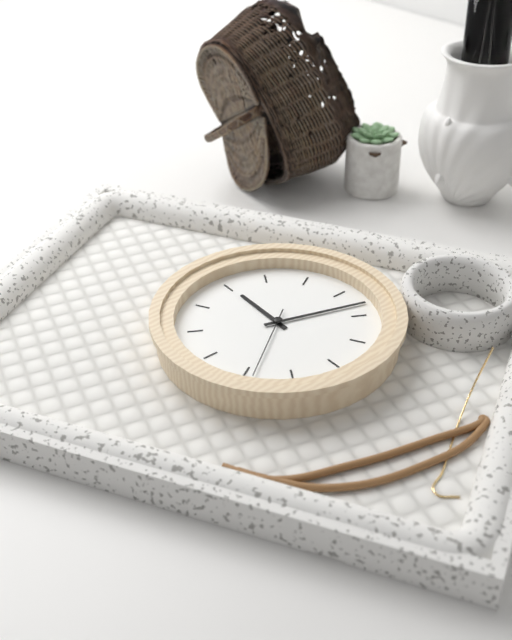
{"hour": 9, "minute": 3, "second": 24}
